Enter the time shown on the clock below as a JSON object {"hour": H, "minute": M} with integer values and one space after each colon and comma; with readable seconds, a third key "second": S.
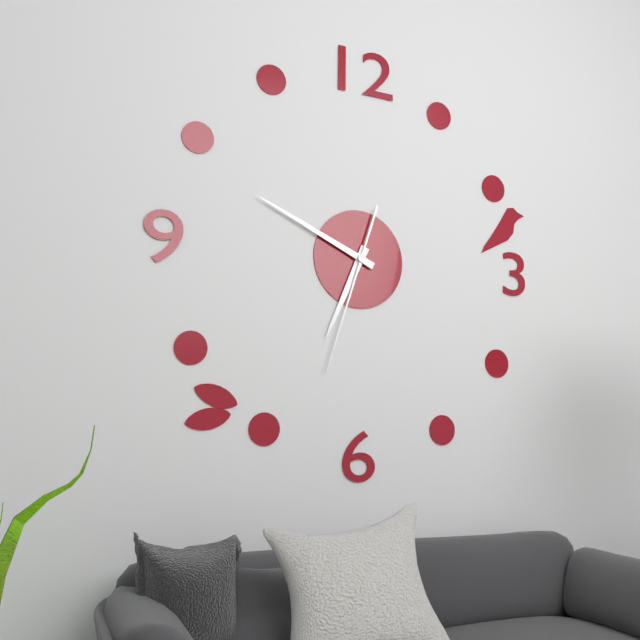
{"hour": 6, "minute": 49, "second": 33}
